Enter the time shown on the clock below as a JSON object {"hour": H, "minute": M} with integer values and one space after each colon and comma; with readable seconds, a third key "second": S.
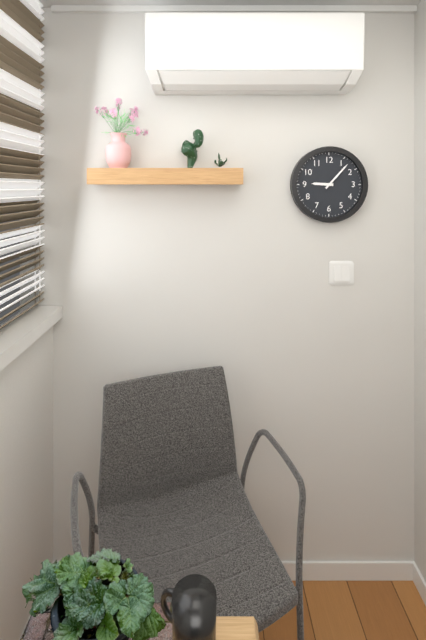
{"hour": 9, "minute": 7}
